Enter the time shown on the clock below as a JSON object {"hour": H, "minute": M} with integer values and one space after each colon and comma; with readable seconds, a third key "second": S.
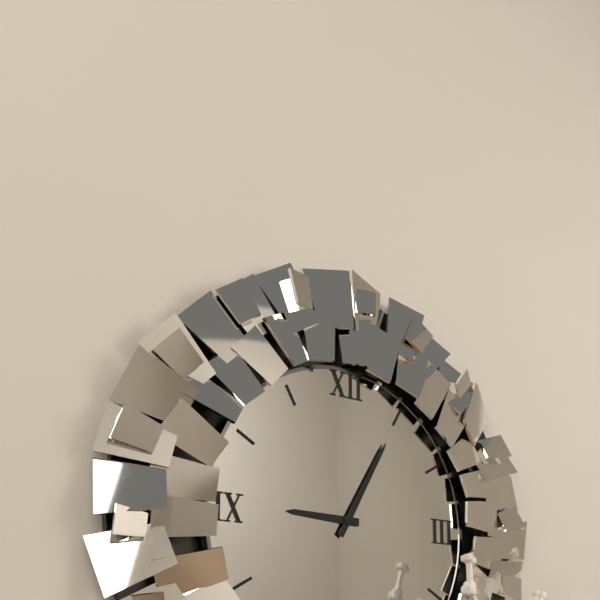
{"hour": 9, "minute": 5}
